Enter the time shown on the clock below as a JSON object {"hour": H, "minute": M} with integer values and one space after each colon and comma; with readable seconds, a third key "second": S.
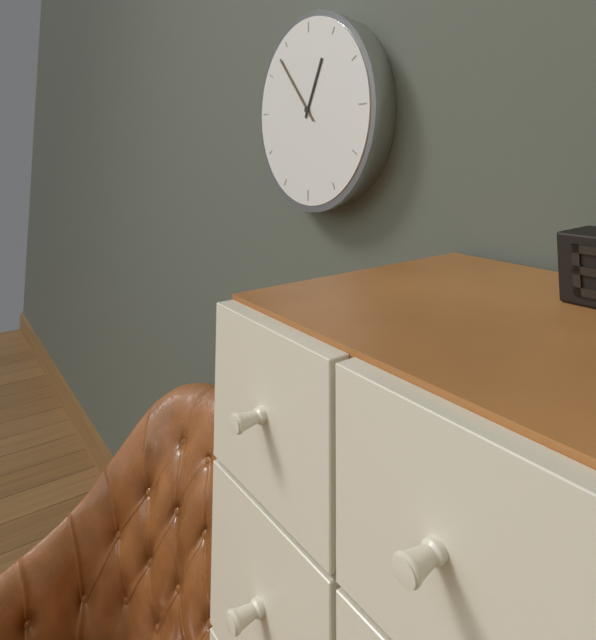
{"hour": 12, "minute": 53}
